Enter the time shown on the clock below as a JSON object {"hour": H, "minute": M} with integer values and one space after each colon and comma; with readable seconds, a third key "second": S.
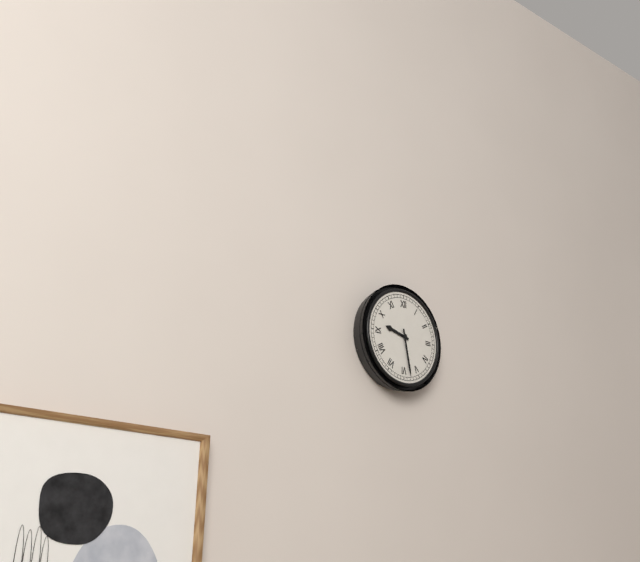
{"hour": 9, "minute": 28}
